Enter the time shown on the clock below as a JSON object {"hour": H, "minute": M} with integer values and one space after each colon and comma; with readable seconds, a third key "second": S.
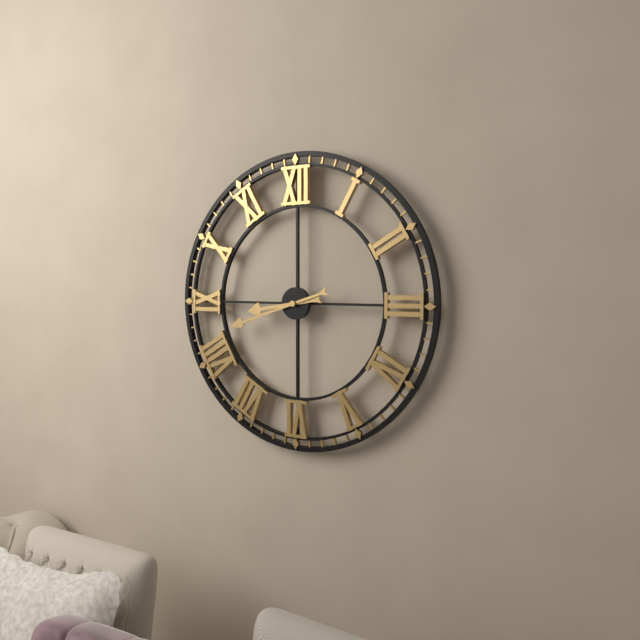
{"hour": 8, "minute": 42}
